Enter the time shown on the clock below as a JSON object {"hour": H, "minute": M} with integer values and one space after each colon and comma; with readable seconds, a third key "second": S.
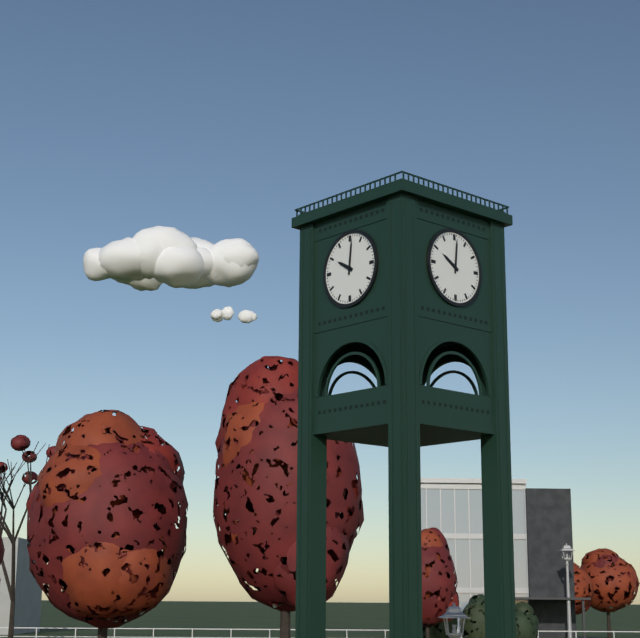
{"hour": 10, "minute": 1}
